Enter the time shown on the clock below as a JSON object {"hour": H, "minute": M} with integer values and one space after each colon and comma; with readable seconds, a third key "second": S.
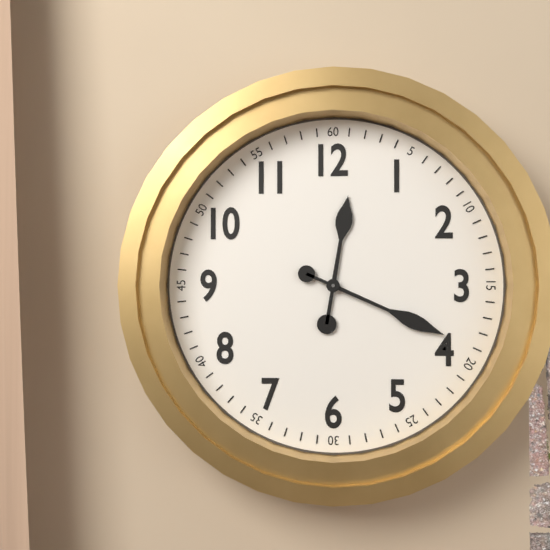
{"hour": 12, "minute": 19}
